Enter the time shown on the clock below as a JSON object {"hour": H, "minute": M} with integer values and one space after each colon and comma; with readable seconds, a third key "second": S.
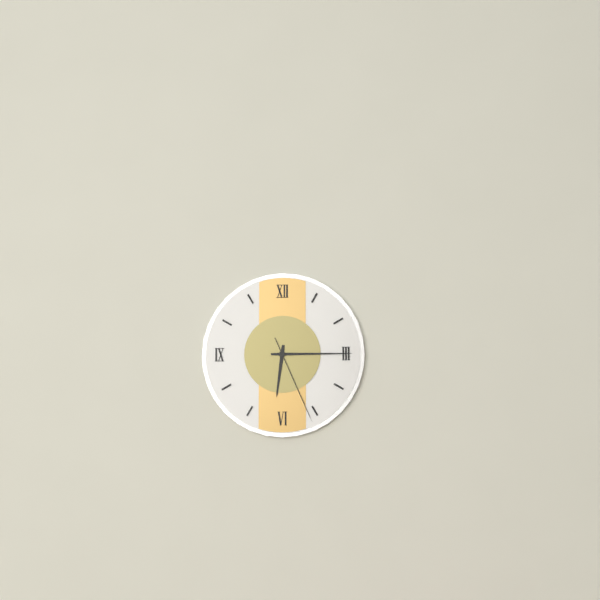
{"hour": 6, "minute": 15, "second": 26}
